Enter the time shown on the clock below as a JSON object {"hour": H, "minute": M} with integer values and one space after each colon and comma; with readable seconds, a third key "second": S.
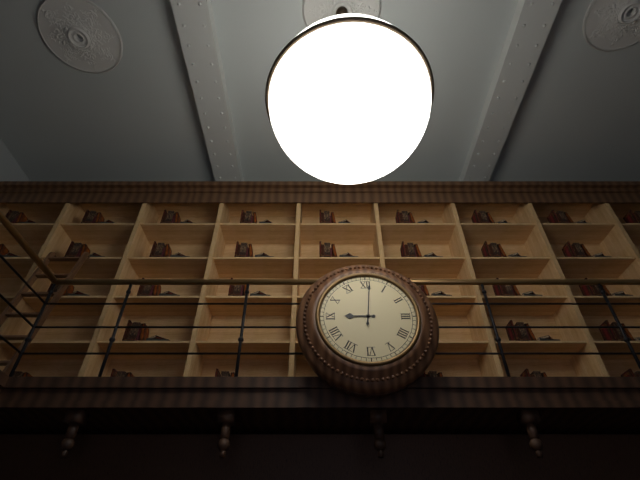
{"hour": 9, "minute": 1}
